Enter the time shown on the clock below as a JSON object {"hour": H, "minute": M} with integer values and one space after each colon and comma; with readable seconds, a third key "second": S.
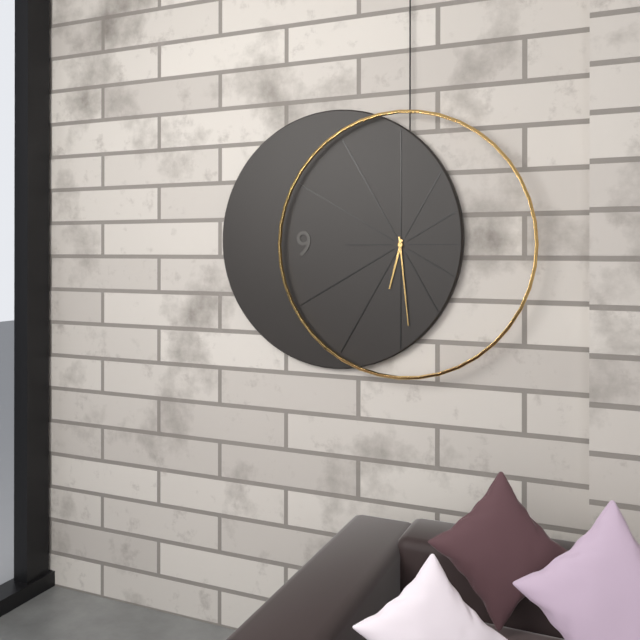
{"hour": 6, "minute": 29}
